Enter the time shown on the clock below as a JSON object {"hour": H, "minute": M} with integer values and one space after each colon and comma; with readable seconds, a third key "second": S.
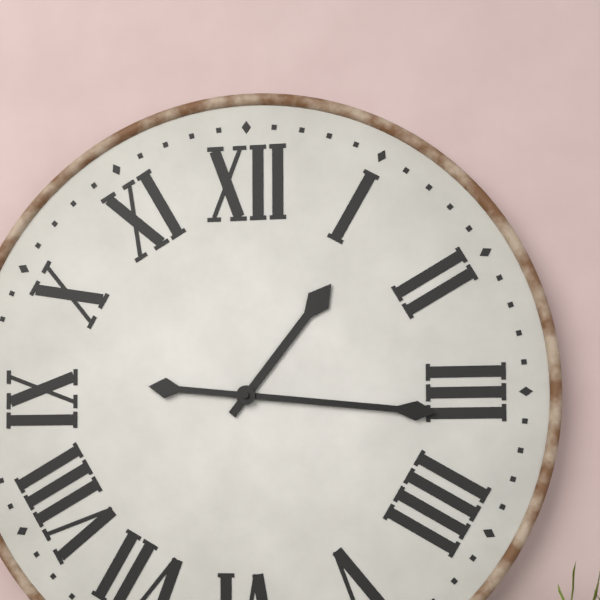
{"hour": 1, "minute": 16}
